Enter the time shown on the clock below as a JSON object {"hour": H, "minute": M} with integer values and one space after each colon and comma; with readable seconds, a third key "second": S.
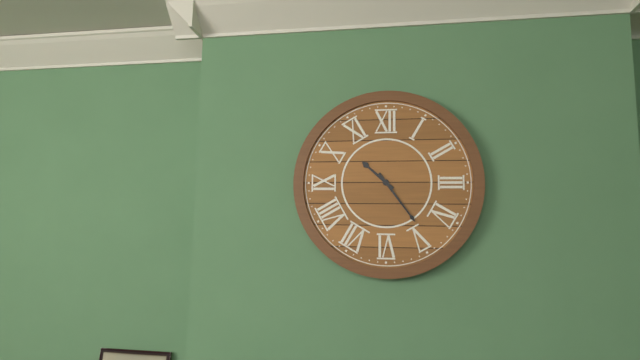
{"hour": 10, "minute": 24}
